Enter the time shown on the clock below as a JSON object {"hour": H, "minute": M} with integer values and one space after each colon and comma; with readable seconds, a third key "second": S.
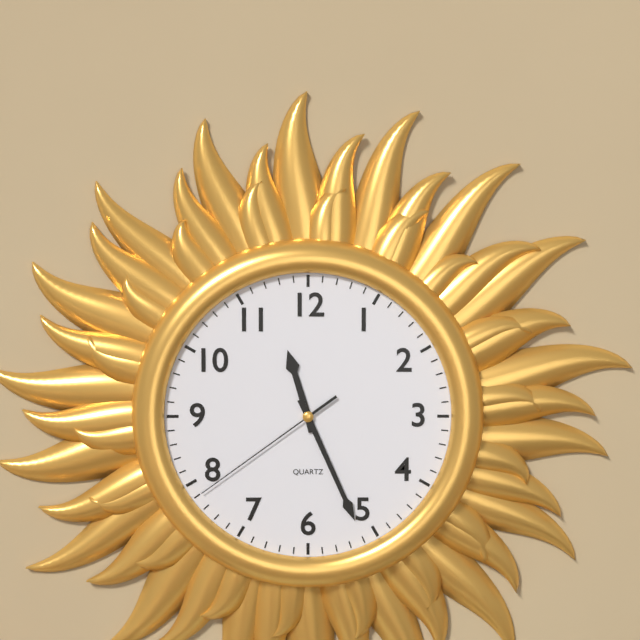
{"hour": 11, "minute": 26, "second": 39}
